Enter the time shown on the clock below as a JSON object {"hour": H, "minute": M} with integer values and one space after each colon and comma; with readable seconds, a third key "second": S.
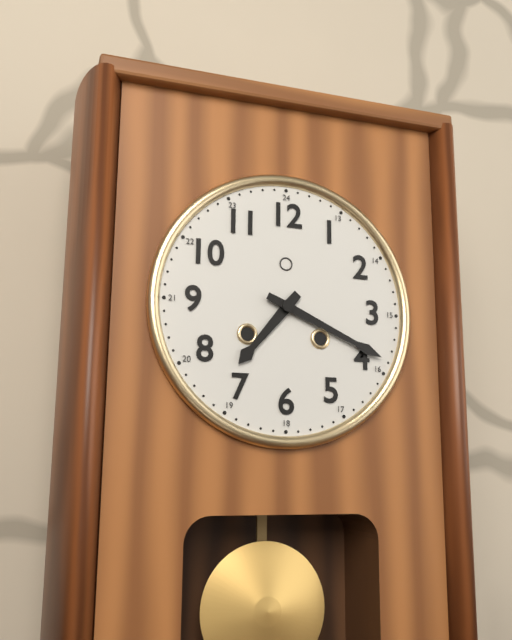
{"hour": 7, "minute": 19}
